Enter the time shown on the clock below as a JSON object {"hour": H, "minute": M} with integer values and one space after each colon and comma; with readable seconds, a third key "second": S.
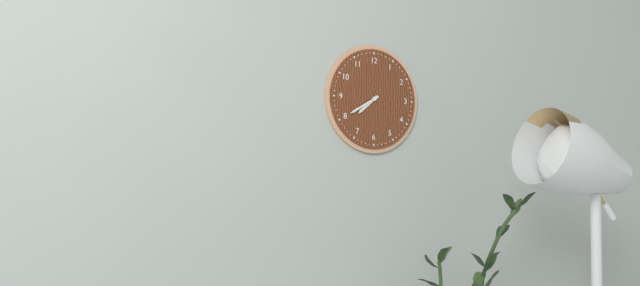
{"hour": 7, "minute": 40}
